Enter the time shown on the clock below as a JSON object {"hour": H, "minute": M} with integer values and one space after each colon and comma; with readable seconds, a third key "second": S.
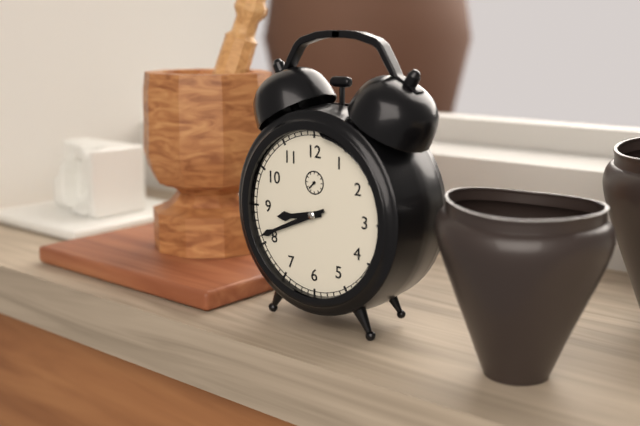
{"hour": 8, "minute": 41}
